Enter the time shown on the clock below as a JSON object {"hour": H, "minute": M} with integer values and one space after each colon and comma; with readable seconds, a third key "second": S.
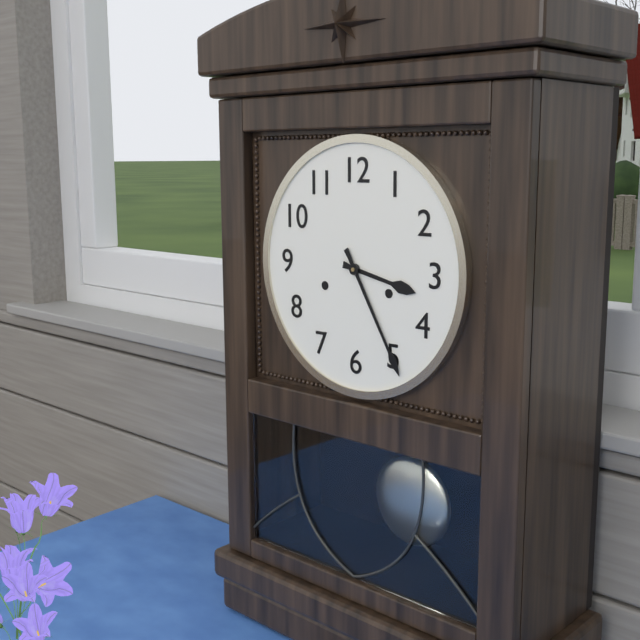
{"hour": 3, "minute": 25}
